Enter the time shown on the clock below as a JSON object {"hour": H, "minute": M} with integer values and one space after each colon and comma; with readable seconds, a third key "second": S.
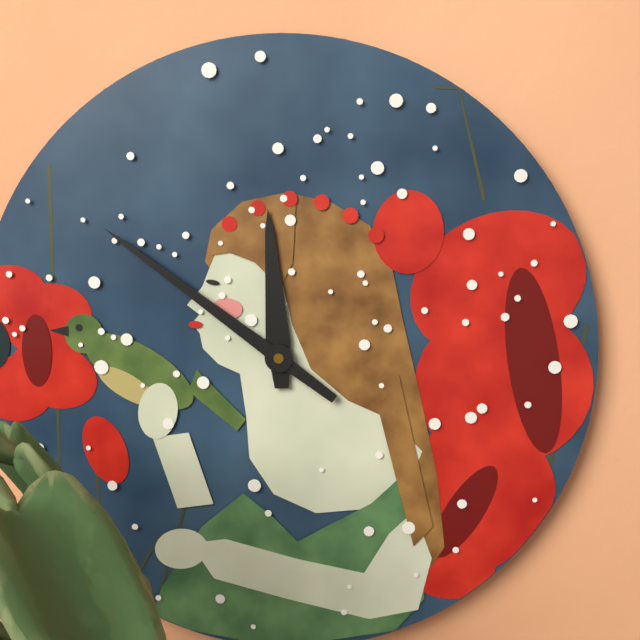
{"hour": 11, "minute": 51}
